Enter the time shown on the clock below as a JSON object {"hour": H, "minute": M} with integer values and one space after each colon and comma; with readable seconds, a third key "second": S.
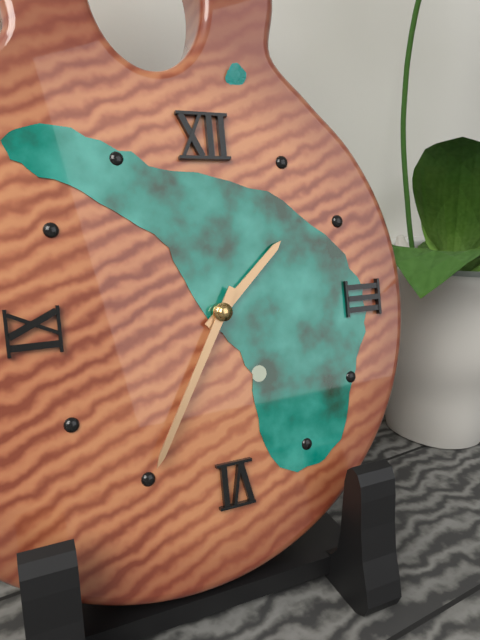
{"hour": 1, "minute": 35}
